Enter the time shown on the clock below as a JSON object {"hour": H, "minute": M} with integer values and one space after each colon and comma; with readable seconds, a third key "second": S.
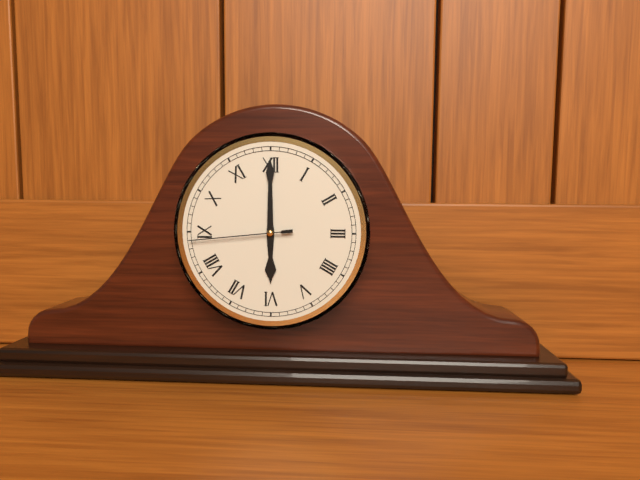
{"hour": 6, "minute": 0, "second": 44}
